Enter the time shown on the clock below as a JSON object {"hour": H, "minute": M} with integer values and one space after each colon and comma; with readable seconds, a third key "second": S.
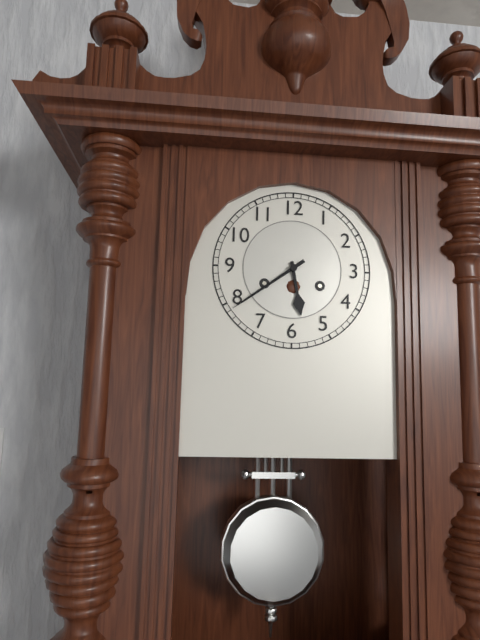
{"hour": 5, "minute": 39}
